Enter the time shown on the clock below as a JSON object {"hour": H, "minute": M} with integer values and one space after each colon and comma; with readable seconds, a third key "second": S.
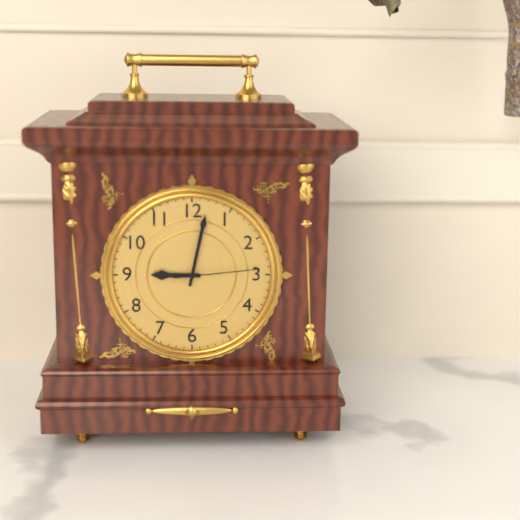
{"hour": 9, "minute": 2, "second": 14}
